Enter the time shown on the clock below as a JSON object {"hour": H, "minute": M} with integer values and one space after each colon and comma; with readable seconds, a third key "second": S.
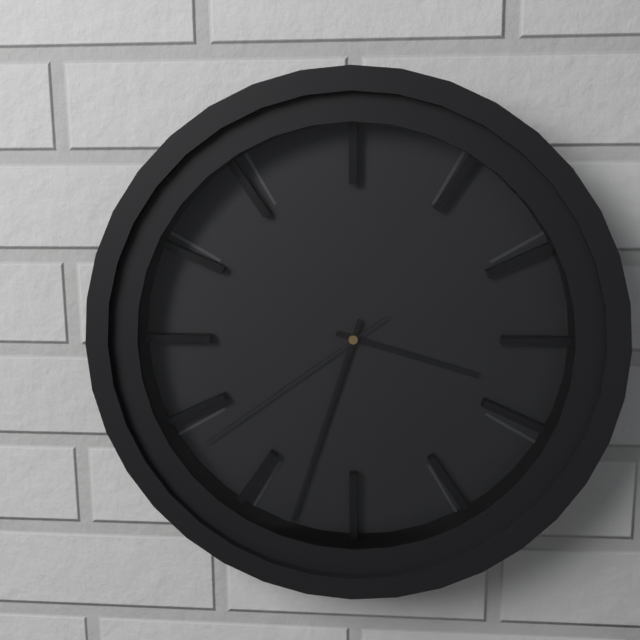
{"hour": 3, "minute": 33, "second": 39}
